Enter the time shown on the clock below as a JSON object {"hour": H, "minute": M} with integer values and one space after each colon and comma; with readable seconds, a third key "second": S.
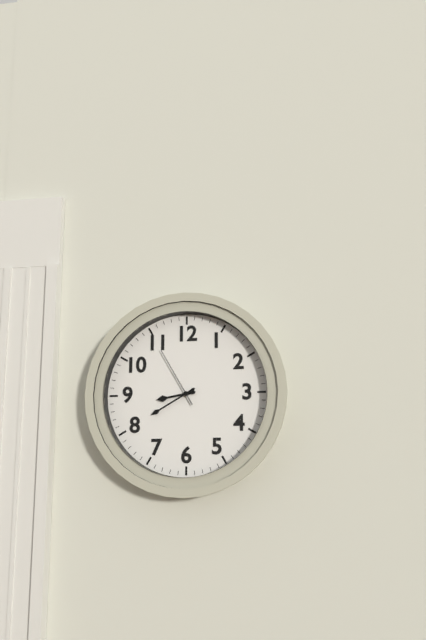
{"hour": 8, "minute": 40, "second": 55}
